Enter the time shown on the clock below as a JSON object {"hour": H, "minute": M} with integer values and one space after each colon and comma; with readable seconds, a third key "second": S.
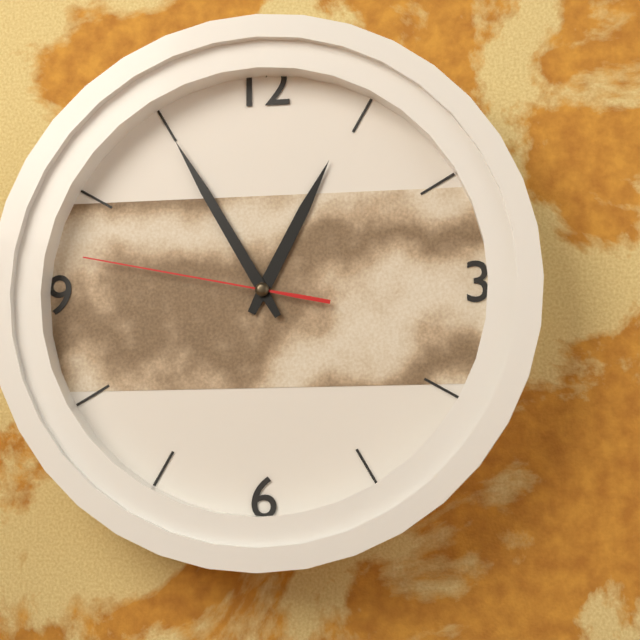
{"hour": 12, "minute": 55, "second": 47}
